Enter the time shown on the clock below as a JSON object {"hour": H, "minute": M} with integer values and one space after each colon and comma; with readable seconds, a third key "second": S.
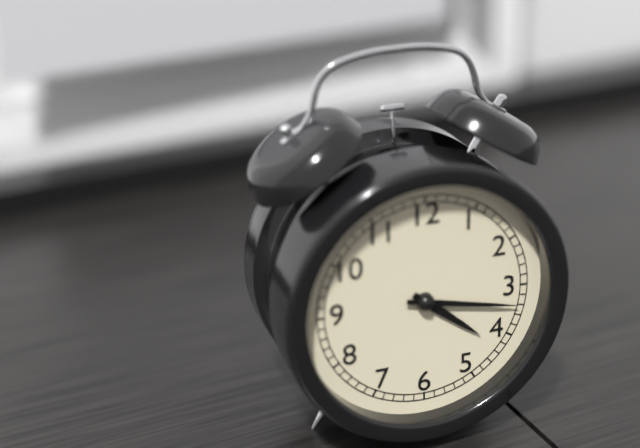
{"hour": 4, "minute": 17}
